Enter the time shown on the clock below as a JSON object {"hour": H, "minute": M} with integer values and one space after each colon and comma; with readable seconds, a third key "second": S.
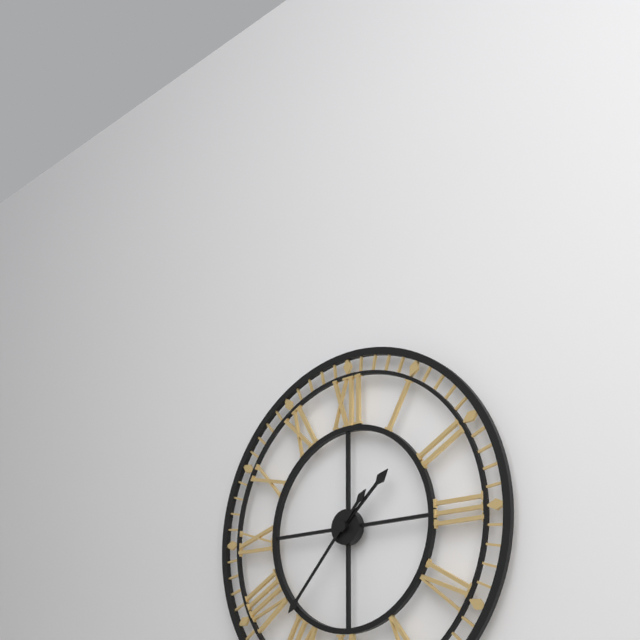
{"hour": 1, "minute": 37}
